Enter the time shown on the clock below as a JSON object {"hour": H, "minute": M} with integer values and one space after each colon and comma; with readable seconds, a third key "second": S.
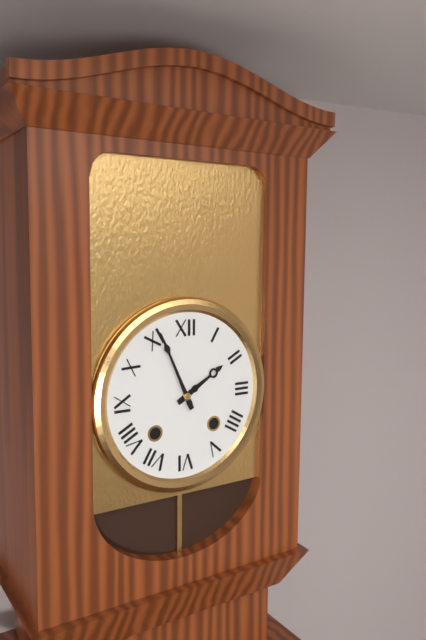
{"hour": 1, "minute": 56}
